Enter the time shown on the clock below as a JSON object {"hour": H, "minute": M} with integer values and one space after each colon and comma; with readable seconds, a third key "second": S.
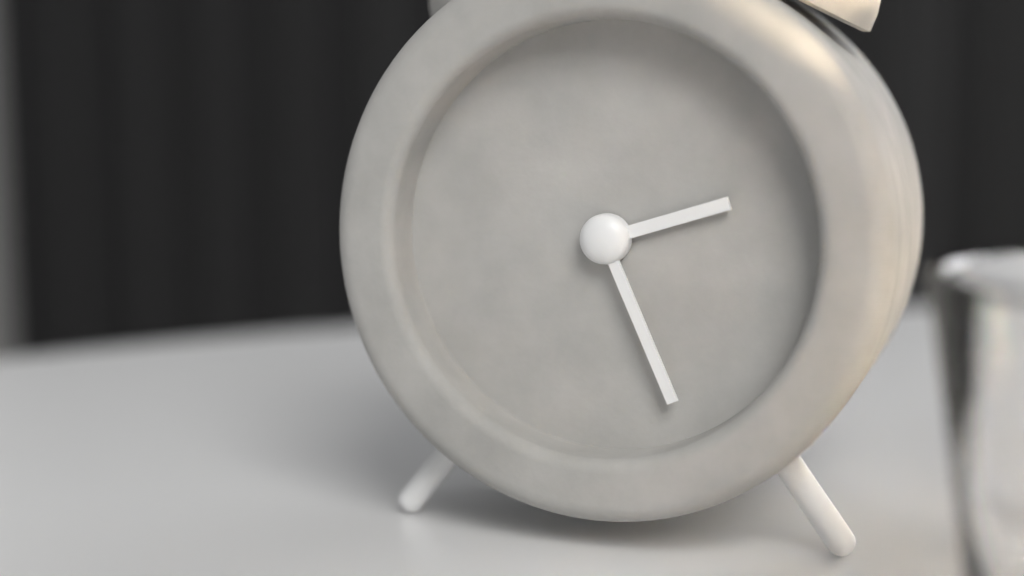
{"hour": 2, "minute": 26}
